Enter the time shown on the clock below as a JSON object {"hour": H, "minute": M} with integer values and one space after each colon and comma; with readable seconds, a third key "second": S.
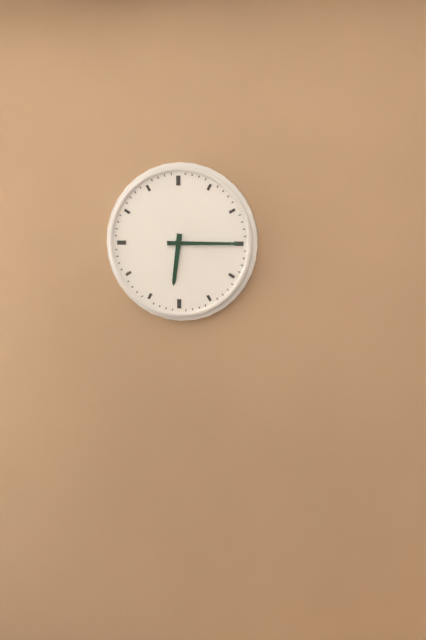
{"hour": 6, "minute": 15}
